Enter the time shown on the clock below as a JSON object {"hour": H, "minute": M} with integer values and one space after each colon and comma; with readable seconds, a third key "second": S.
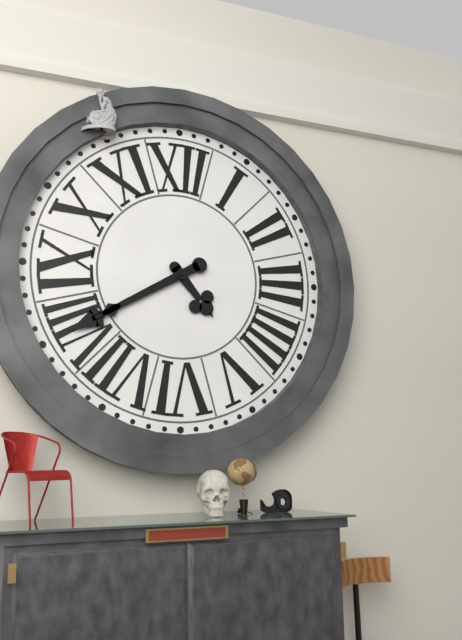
{"hour": 4, "minute": 40}
